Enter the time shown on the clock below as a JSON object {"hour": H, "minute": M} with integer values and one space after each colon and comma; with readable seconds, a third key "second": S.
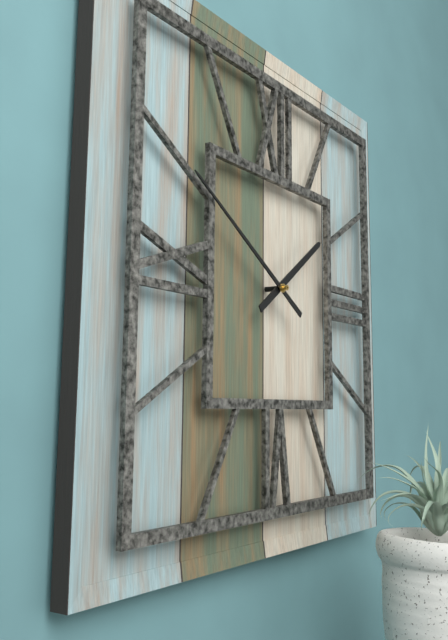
{"hour": 1, "minute": 50}
